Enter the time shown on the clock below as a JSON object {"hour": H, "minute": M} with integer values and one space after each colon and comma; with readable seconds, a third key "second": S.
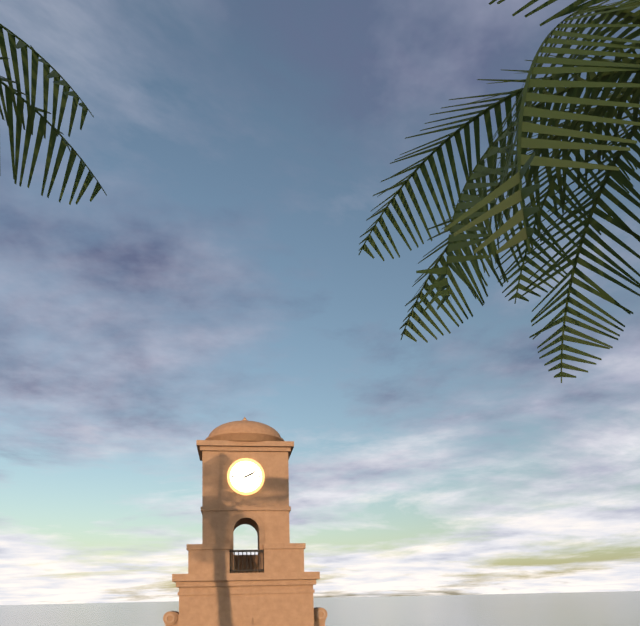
{"hour": 2, "minute": 10}
